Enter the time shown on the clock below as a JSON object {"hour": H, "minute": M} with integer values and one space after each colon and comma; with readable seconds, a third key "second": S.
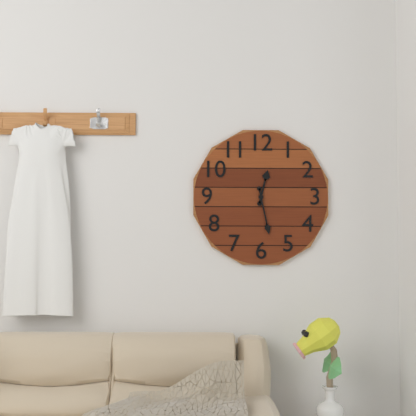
{"hour": 12, "minute": 28}
